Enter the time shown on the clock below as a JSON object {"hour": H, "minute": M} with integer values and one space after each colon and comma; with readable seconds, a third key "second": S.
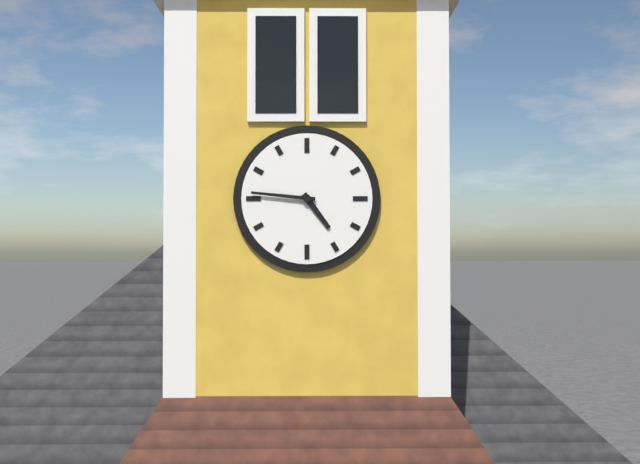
{"hour": 4, "minute": 46}
